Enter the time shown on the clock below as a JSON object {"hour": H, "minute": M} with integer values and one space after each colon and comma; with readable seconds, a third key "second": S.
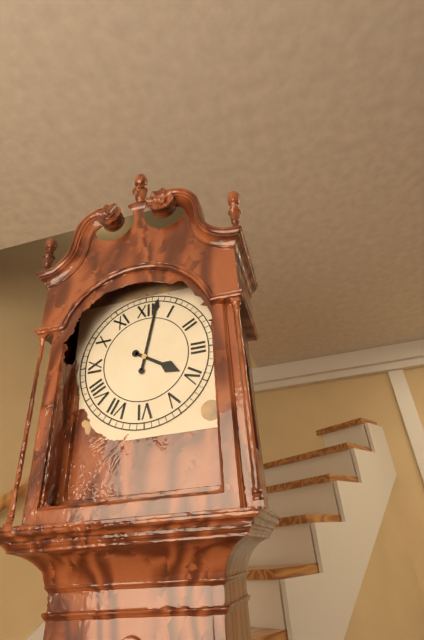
{"hour": 4, "minute": 2}
